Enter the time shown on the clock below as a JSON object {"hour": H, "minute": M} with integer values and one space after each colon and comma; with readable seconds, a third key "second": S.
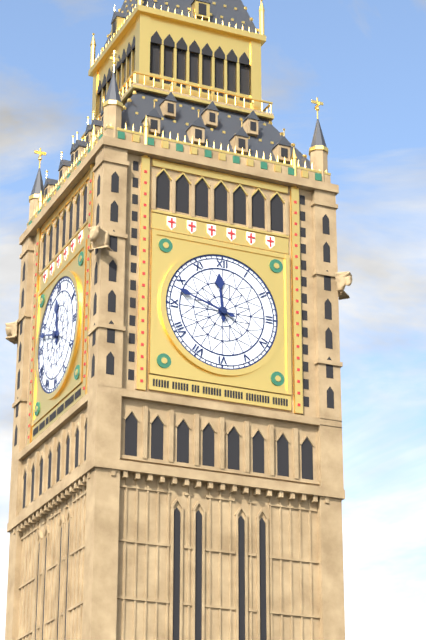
{"hour": 11, "minute": 48}
